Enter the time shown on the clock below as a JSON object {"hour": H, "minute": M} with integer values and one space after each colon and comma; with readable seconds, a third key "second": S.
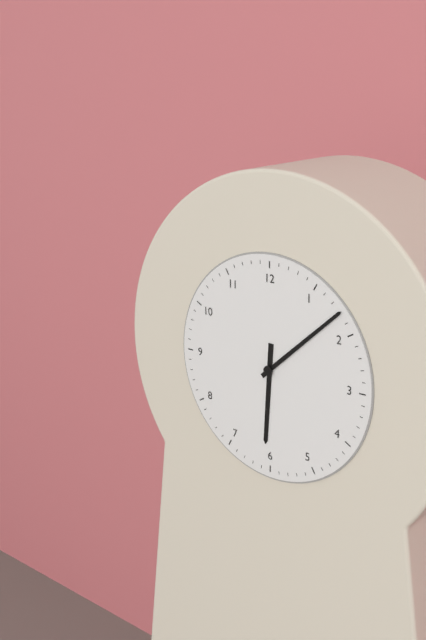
{"hour": 6, "minute": 8}
